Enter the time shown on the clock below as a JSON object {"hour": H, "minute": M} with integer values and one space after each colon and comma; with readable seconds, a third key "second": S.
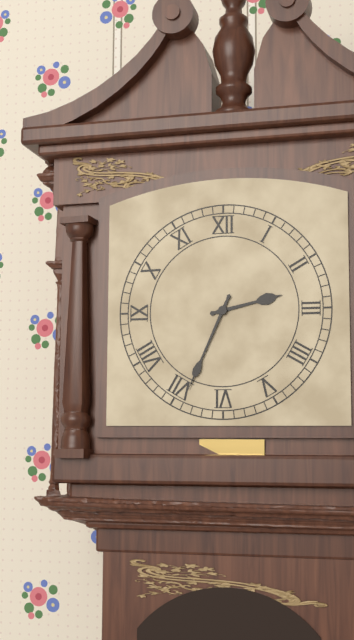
{"hour": 2, "minute": 34}
